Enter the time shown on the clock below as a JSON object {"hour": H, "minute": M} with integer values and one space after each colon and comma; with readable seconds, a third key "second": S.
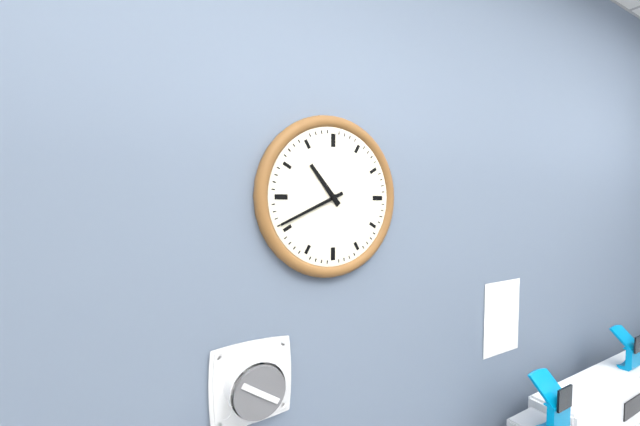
{"hour": 10, "minute": 41}
